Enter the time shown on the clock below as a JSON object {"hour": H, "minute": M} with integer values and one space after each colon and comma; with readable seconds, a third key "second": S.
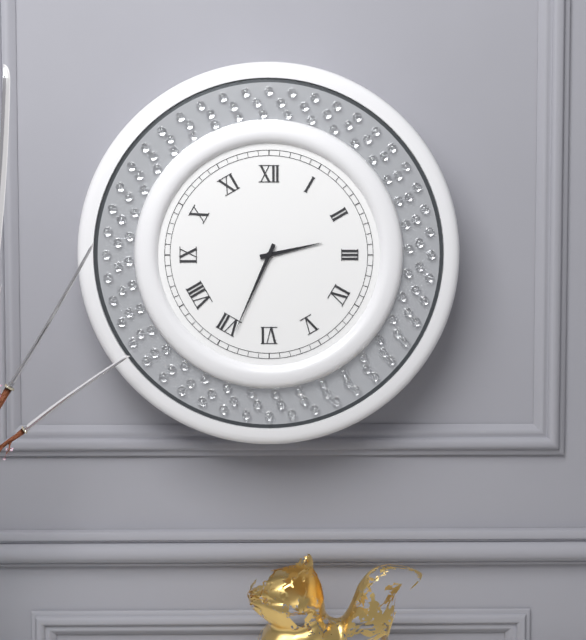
{"hour": 2, "minute": 34}
